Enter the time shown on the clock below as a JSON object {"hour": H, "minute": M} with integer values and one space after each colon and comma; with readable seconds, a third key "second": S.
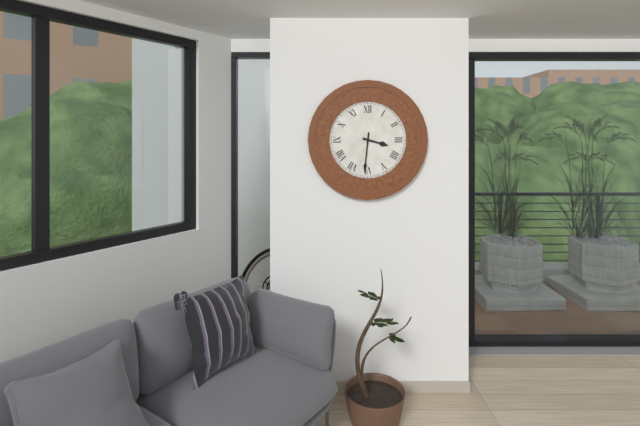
{"hour": 3, "minute": 31}
